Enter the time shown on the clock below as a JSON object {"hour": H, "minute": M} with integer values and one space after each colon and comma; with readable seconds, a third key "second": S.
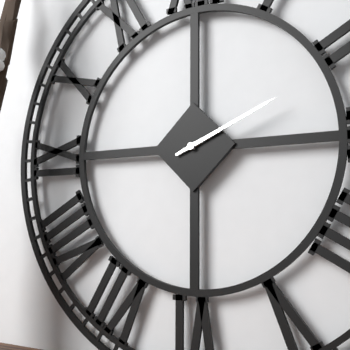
{"hour": 2, "minute": 11}
